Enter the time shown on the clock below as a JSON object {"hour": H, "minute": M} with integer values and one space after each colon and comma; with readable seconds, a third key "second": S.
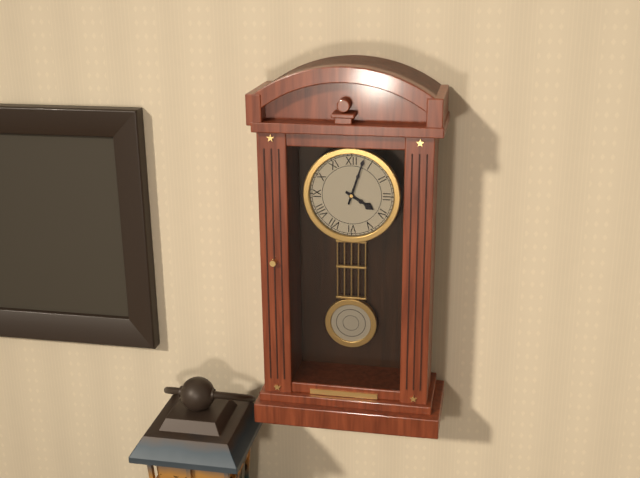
{"hour": 4, "minute": 3}
